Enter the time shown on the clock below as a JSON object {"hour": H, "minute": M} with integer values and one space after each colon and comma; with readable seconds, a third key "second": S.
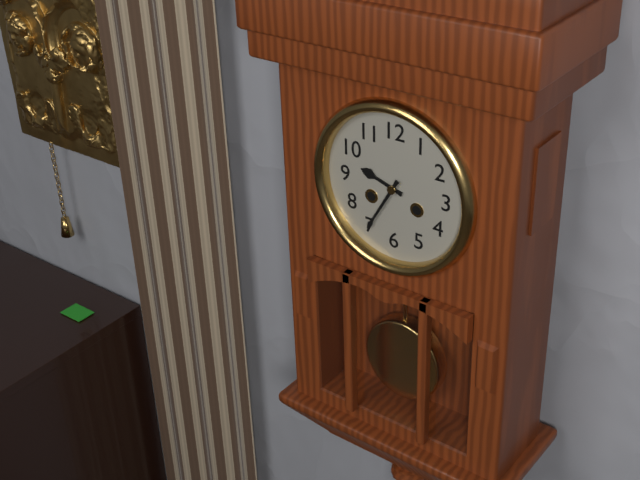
{"hour": 9, "minute": 35}
